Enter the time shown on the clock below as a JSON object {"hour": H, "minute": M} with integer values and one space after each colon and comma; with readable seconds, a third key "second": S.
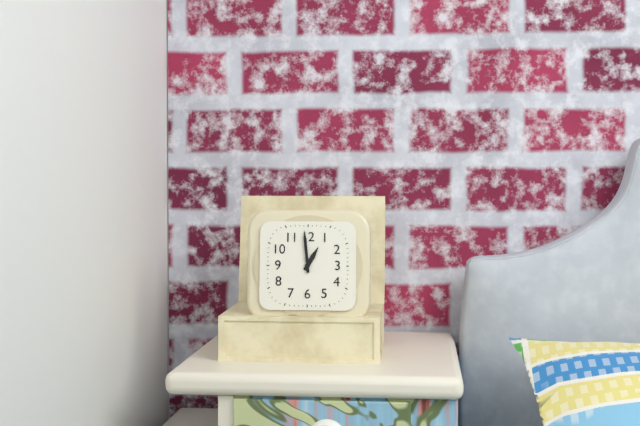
{"hour": 12, "minute": 59}
